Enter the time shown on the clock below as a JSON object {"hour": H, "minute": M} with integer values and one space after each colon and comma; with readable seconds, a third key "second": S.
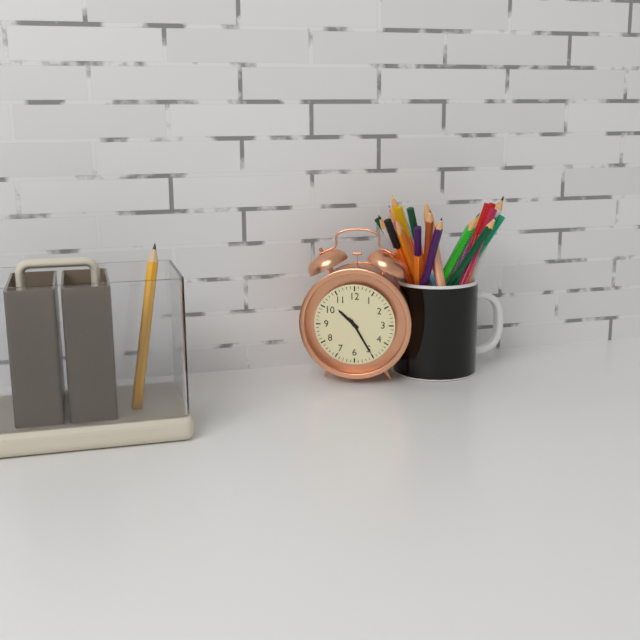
{"hour": 10, "minute": 25}
